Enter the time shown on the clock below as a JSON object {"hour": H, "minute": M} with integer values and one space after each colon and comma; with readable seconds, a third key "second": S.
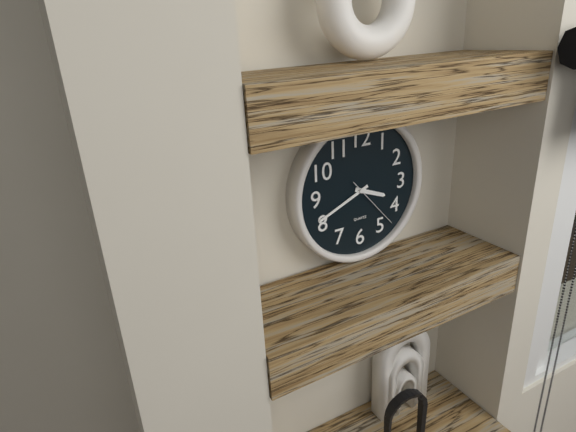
{"hour": 3, "minute": 41, "second": 23}
